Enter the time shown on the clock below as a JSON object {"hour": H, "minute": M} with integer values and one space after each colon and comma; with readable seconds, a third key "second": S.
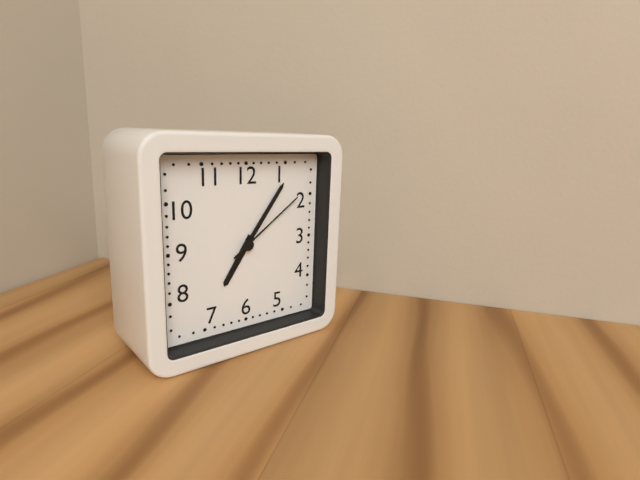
{"hour": 7, "minute": 6, "second": 9}
